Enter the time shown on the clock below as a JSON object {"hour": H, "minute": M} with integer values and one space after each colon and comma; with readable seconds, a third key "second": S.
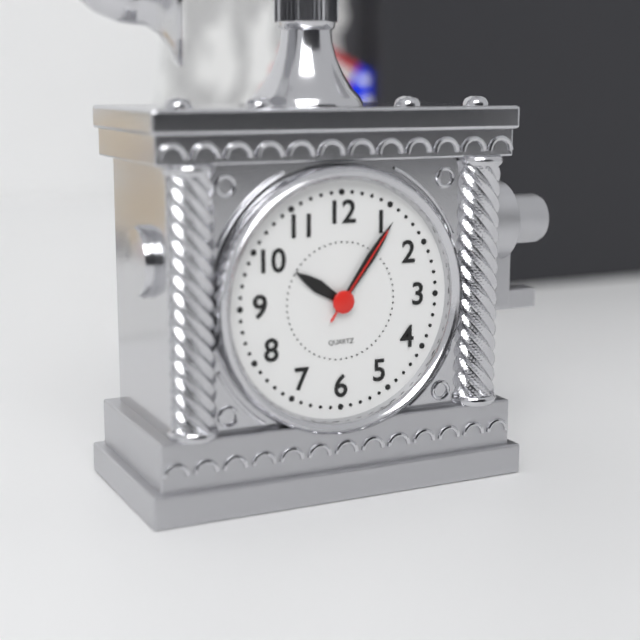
{"hour": 10, "minute": 6, "second": 6}
